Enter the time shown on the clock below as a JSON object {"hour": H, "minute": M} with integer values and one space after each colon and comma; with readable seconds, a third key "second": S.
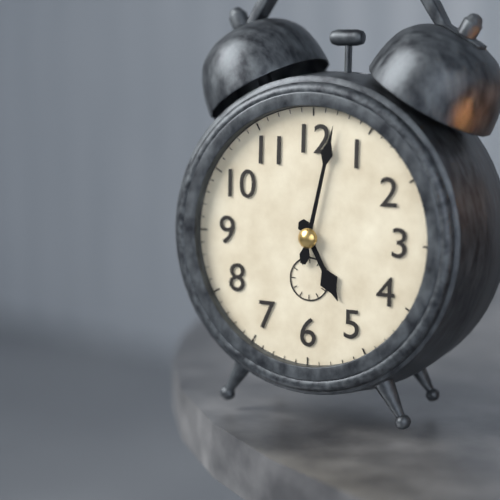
{"hour": 5, "minute": 2}
